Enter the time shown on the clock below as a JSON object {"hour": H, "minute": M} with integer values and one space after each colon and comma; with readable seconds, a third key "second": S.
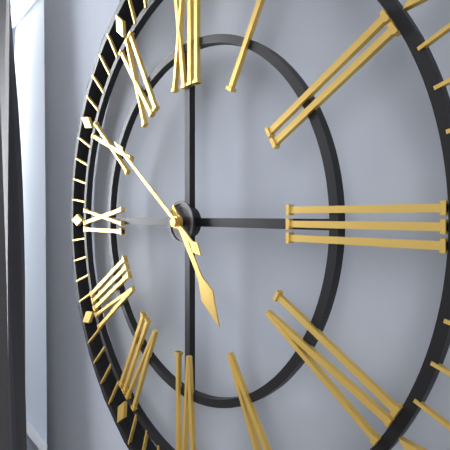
{"hour": 4, "minute": 51}
